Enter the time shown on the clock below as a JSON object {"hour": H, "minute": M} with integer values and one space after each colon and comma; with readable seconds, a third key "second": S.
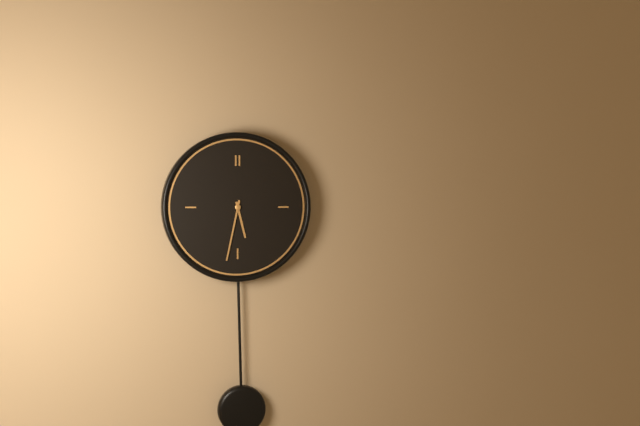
{"hour": 5, "minute": 32}
